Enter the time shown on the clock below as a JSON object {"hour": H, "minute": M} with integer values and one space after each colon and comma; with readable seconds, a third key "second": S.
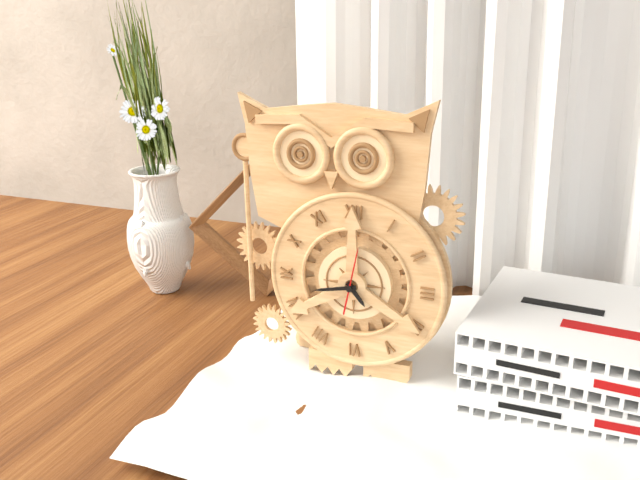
{"hour": 4, "minute": 43, "second": 2}
